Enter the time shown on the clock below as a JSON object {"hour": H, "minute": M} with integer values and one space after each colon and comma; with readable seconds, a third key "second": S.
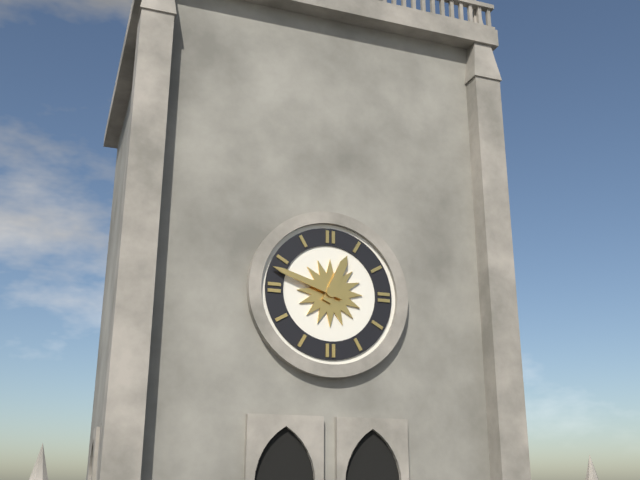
{"hour": 12, "minute": 48}
